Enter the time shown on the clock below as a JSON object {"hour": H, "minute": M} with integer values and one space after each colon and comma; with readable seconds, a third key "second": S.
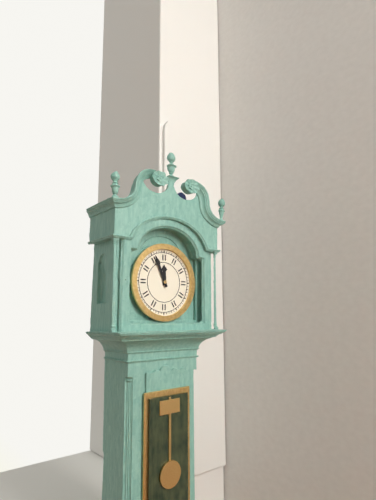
{"hour": 11, "minute": 56}
